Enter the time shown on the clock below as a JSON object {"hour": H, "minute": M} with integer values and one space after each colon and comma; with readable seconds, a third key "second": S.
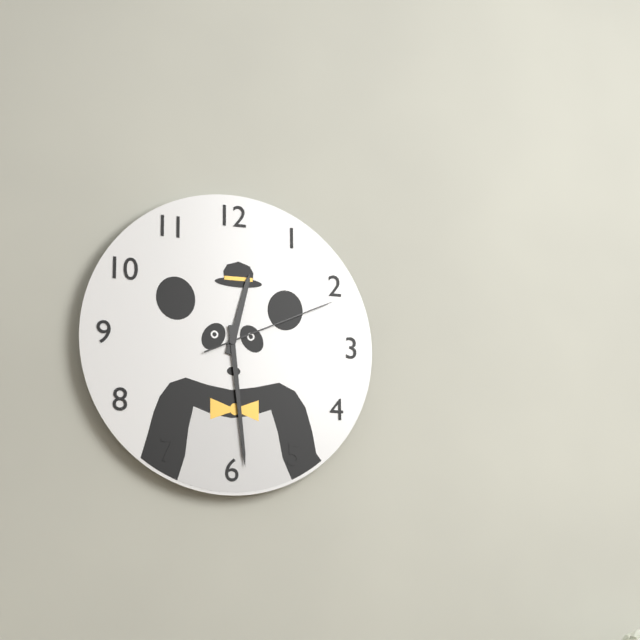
{"hour": 12, "minute": 29, "second": 11}
